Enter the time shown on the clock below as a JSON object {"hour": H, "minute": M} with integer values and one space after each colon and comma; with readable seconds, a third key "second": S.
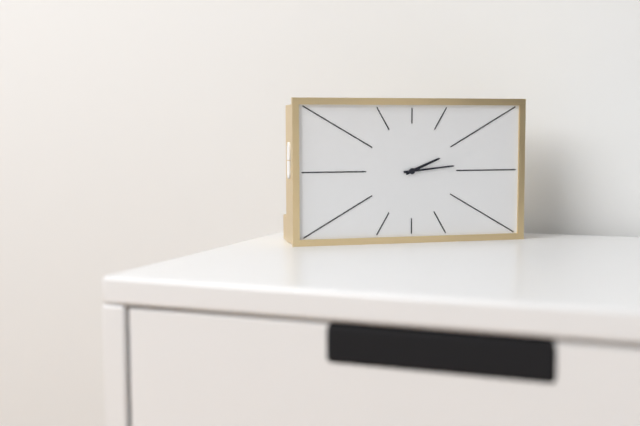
{"hour": 2, "minute": 14}
